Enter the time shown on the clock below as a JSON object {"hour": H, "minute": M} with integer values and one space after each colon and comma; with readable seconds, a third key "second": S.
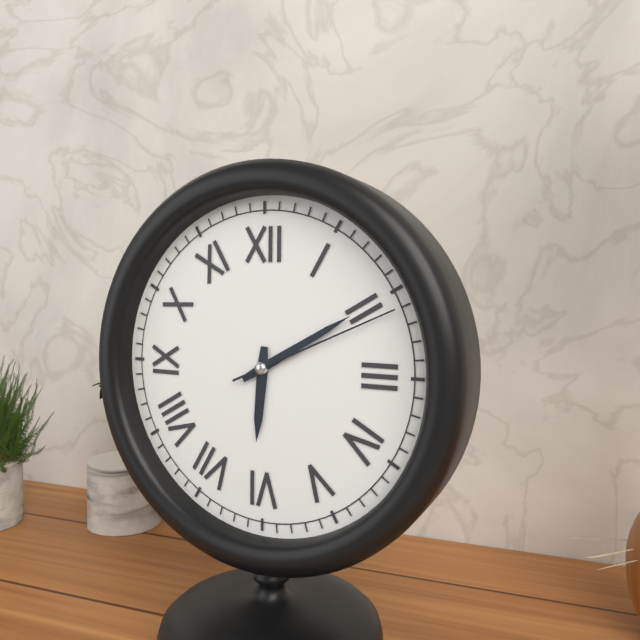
{"hour": 6, "minute": 10, "second": 11}
